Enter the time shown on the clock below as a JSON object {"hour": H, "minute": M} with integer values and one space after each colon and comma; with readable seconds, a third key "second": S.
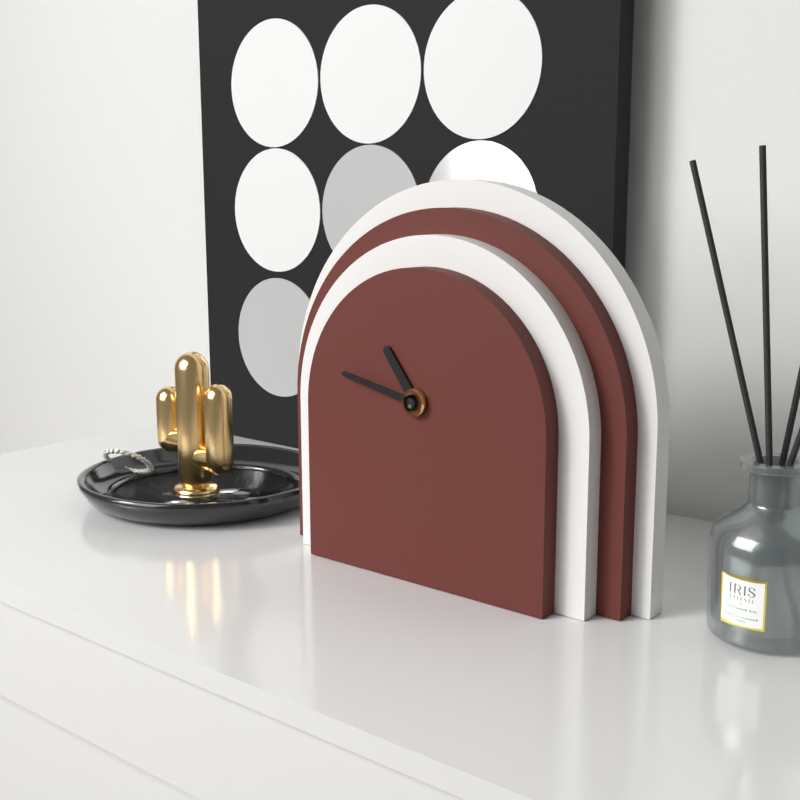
{"hour": 10, "minute": 47}
